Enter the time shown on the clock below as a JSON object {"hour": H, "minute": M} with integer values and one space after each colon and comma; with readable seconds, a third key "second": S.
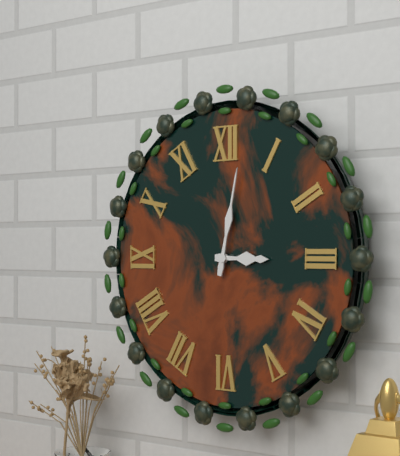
{"hour": 3, "minute": 2}
